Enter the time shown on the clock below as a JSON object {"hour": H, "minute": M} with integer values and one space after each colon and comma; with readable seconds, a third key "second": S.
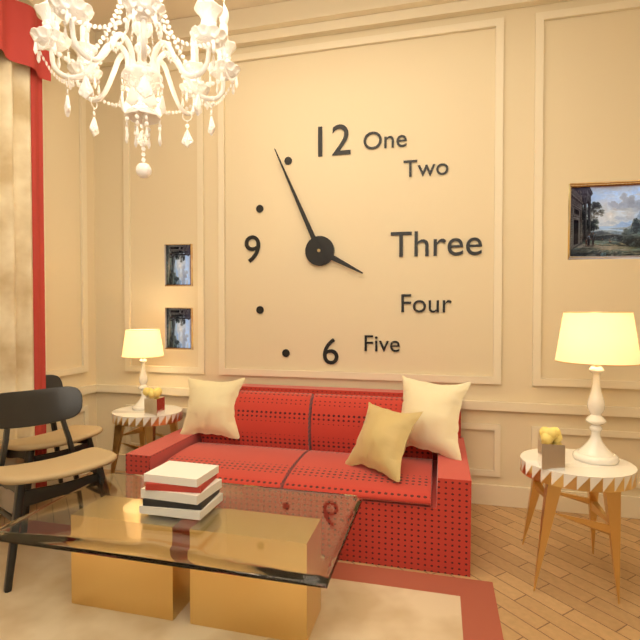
{"hour": 3, "minute": 56}
